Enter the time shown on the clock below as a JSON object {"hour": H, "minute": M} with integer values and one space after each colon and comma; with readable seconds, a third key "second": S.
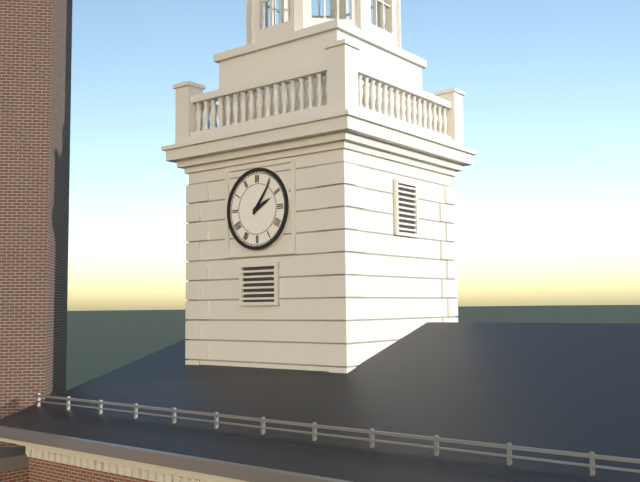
{"hour": 2, "minute": 6}
